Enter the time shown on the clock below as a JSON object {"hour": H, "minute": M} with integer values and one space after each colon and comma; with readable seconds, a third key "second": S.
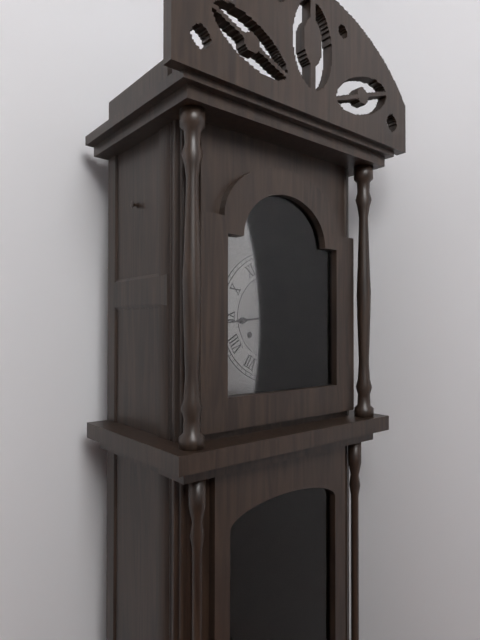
{"hour": 5, "minute": 44}
